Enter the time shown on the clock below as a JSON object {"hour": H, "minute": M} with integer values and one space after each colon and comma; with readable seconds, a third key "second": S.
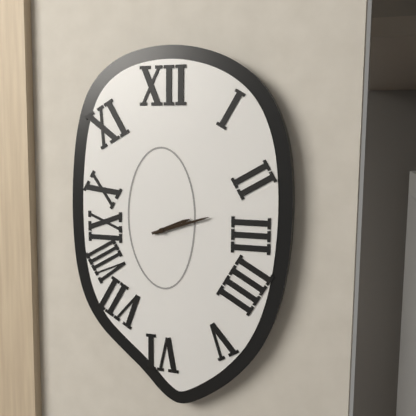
{"hour": 2, "minute": 12}
